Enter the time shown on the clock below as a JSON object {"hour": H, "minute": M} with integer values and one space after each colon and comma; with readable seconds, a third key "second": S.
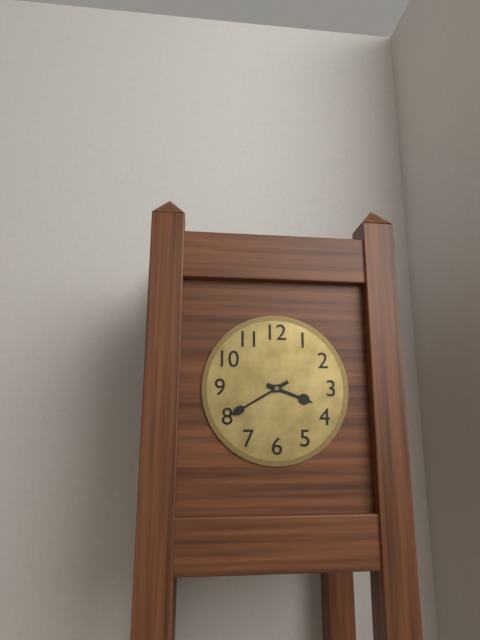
{"hour": 3, "minute": 40}
